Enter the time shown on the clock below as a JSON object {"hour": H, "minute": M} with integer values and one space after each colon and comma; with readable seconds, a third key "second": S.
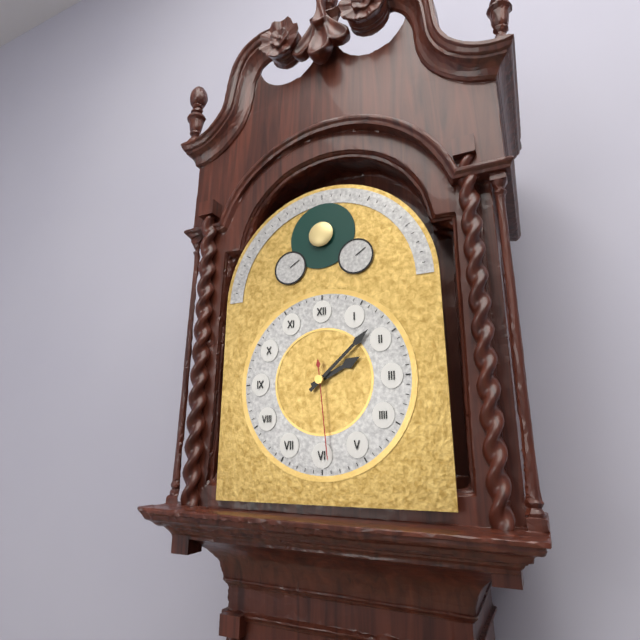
{"hour": 2, "minute": 8, "second": 29}
